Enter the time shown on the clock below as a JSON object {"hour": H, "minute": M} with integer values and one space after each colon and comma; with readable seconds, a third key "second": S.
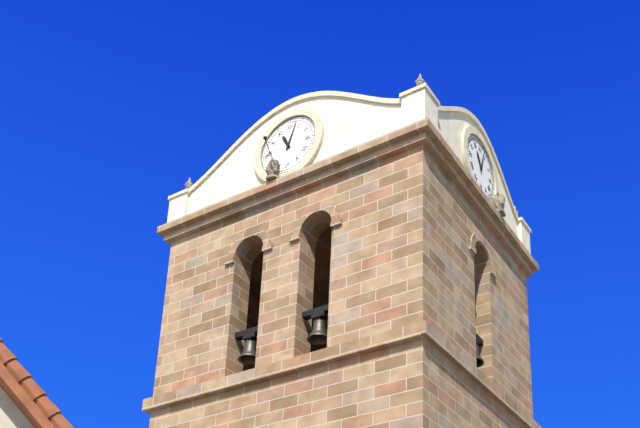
{"hour": 11, "minute": 3}
